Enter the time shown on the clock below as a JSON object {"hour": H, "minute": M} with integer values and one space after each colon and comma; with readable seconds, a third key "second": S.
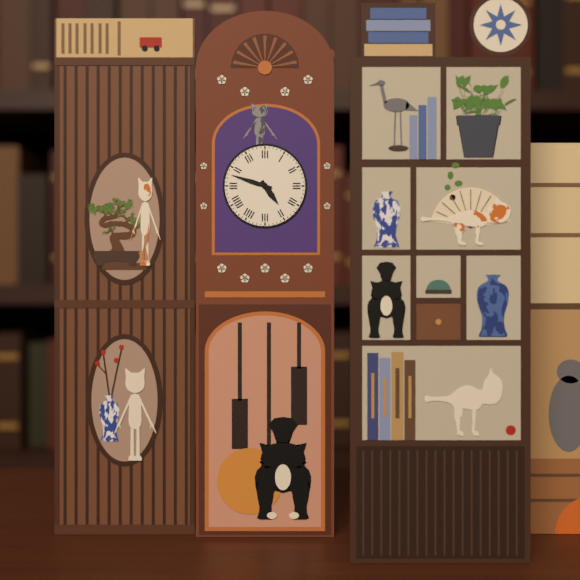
{"hour": 4, "minute": 48}
